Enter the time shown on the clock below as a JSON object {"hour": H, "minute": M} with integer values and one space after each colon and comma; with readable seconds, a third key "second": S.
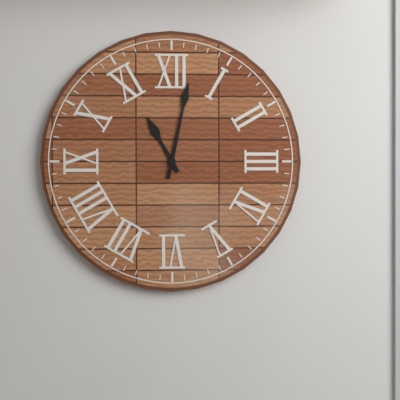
{"hour": 11, "minute": 2}
